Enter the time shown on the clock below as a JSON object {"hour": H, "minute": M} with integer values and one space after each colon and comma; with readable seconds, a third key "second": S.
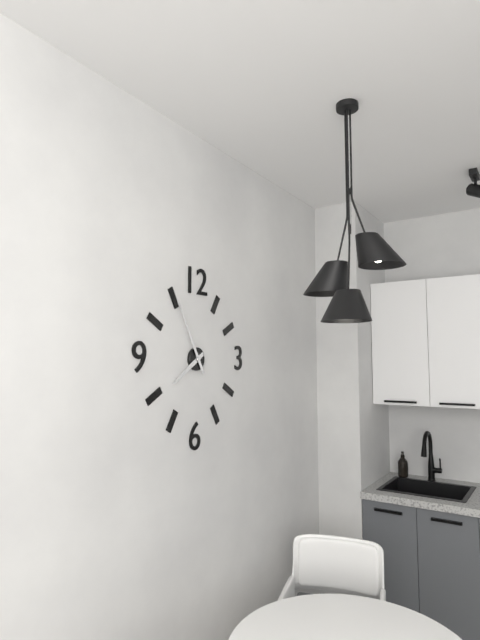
{"hour": 7, "minute": 55}
